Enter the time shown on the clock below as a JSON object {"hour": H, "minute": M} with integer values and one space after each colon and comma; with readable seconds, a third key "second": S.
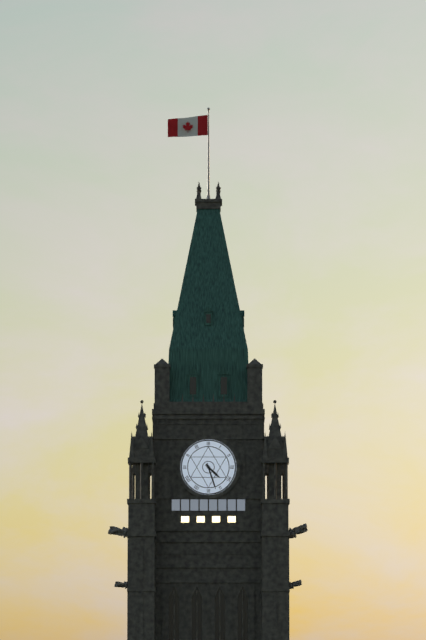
{"hour": 4, "minute": 27}
